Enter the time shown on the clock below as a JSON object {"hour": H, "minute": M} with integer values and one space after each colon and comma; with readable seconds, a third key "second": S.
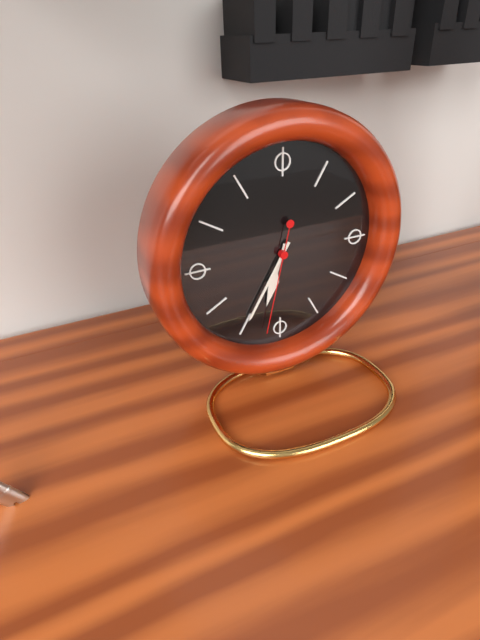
{"hour": 6, "minute": 35, "second": 32}
